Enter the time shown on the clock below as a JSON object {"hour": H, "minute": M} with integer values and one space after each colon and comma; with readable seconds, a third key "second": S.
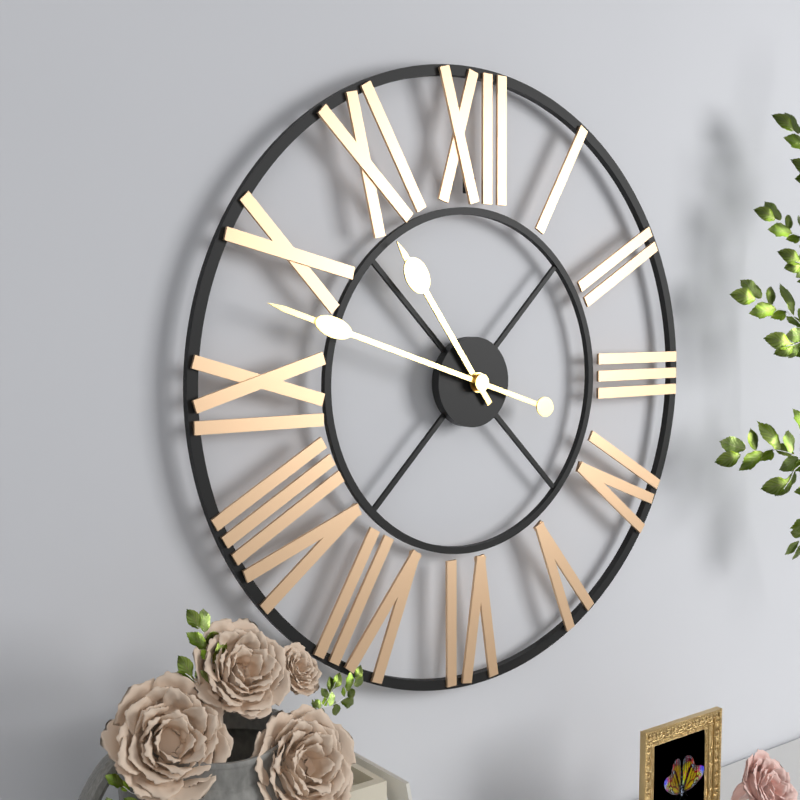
{"hour": 10, "minute": 48}
